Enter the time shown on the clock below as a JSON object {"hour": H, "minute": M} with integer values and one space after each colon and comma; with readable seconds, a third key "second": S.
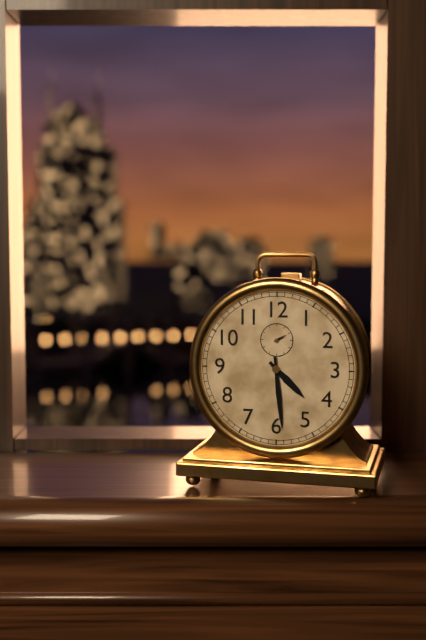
{"hour": 4, "minute": 29}
